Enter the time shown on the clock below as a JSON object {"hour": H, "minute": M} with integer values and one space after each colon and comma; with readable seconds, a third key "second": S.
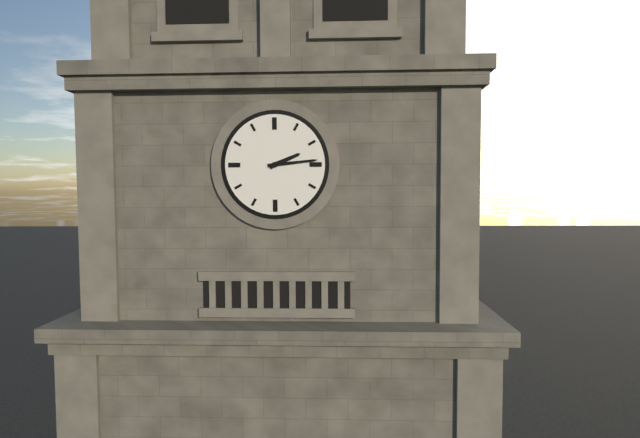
{"hour": 2, "minute": 14}
